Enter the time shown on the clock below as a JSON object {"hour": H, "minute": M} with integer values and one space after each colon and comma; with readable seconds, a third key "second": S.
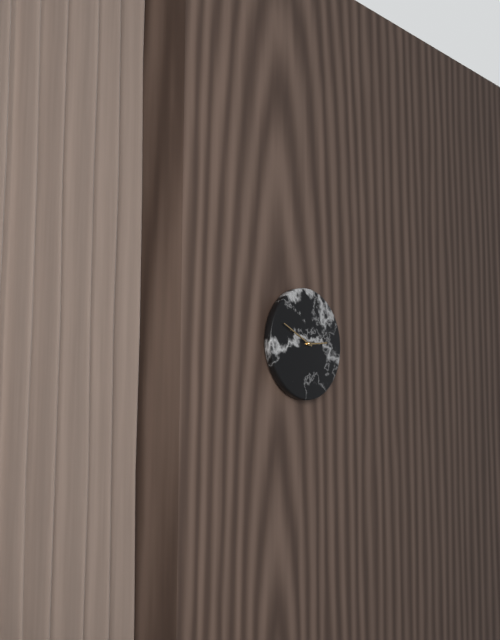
{"hour": 2, "minute": 49}
